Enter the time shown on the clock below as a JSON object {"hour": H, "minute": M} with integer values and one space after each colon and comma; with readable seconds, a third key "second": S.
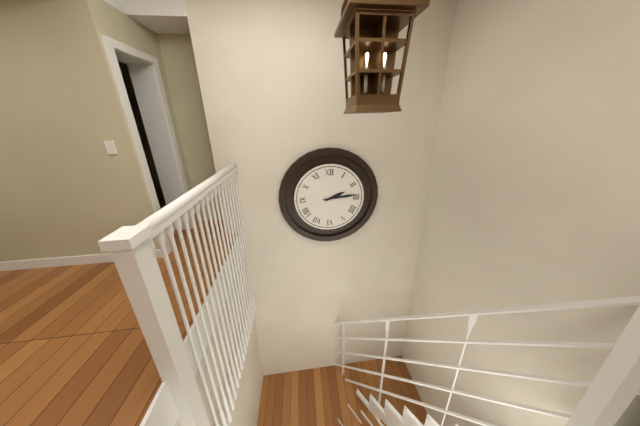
{"hour": 2, "minute": 14}
